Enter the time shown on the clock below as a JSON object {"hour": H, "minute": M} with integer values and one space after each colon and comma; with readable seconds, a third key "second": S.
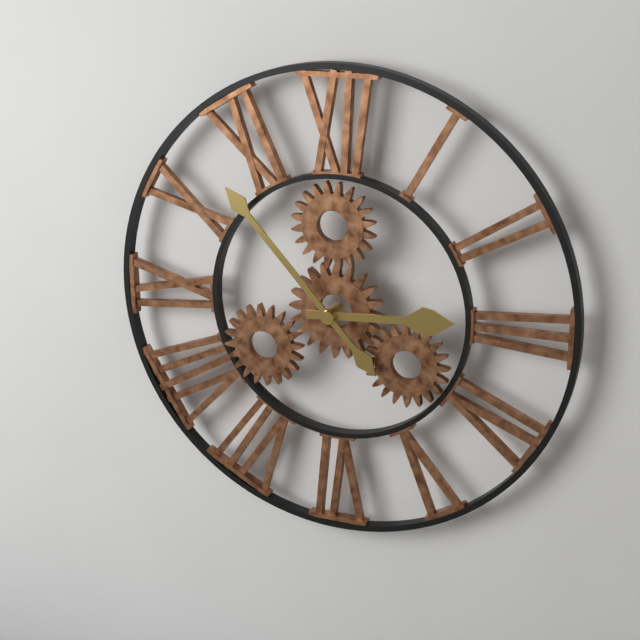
{"hour": 2, "minute": 53}
